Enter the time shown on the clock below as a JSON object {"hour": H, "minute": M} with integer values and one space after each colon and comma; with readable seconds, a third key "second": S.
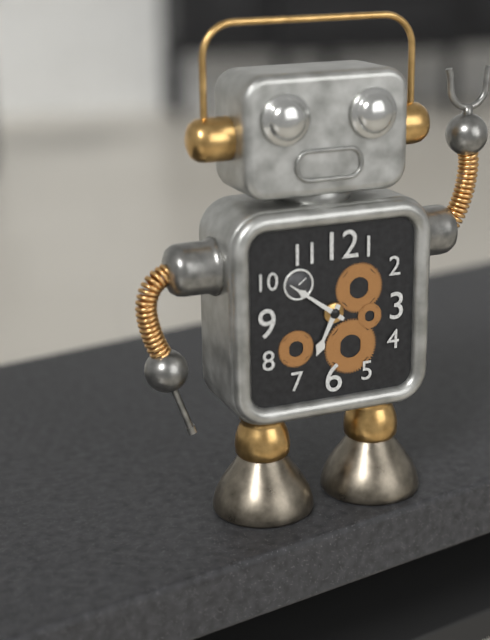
{"hour": 6, "minute": 51}
